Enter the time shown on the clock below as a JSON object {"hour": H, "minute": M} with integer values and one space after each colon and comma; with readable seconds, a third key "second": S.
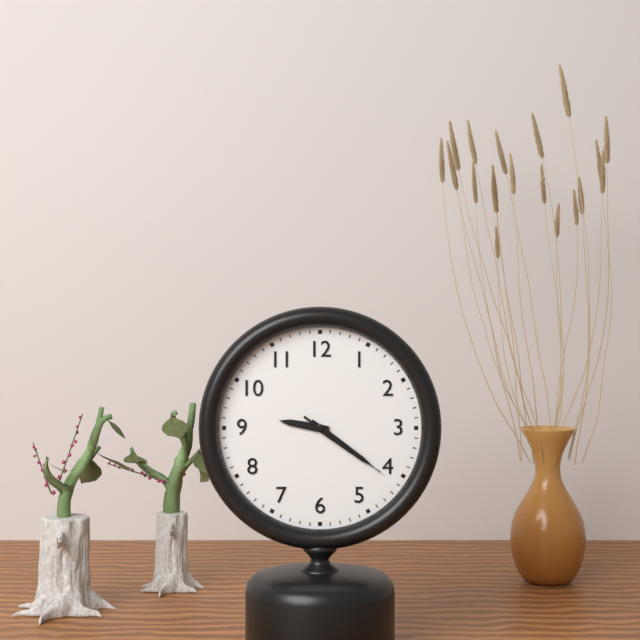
{"hour": 9, "minute": 21, "second": 21}
